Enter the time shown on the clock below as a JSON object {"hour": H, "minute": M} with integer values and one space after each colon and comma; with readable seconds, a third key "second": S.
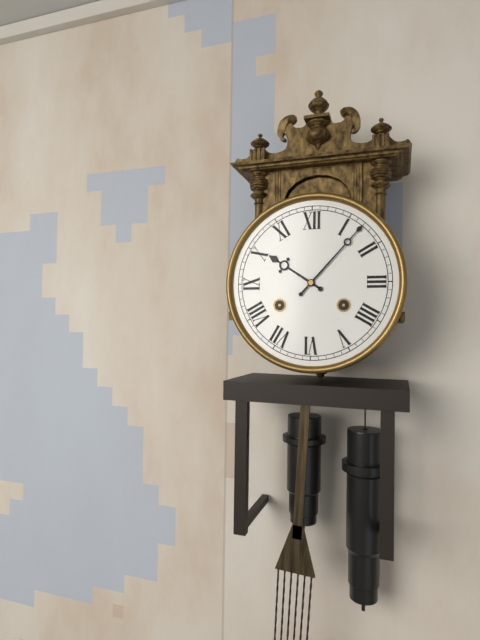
{"hour": 10, "minute": 7}
